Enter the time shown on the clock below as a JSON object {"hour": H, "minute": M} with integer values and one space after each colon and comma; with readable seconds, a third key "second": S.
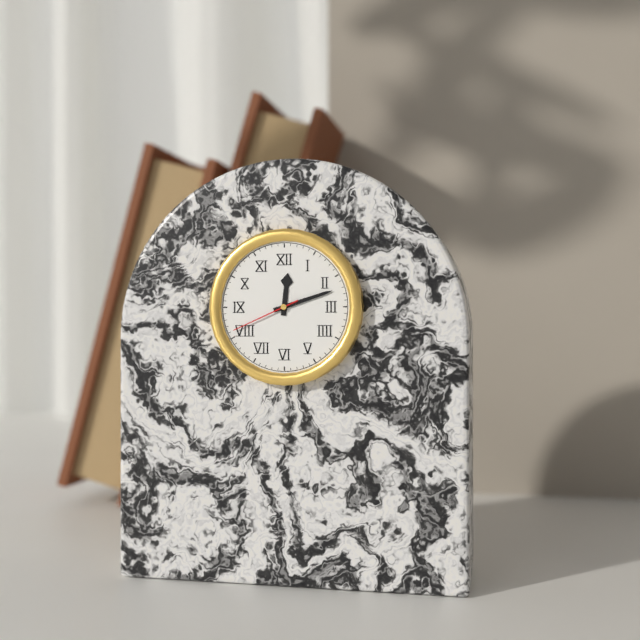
{"hour": 12, "minute": 12, "second": 41}
